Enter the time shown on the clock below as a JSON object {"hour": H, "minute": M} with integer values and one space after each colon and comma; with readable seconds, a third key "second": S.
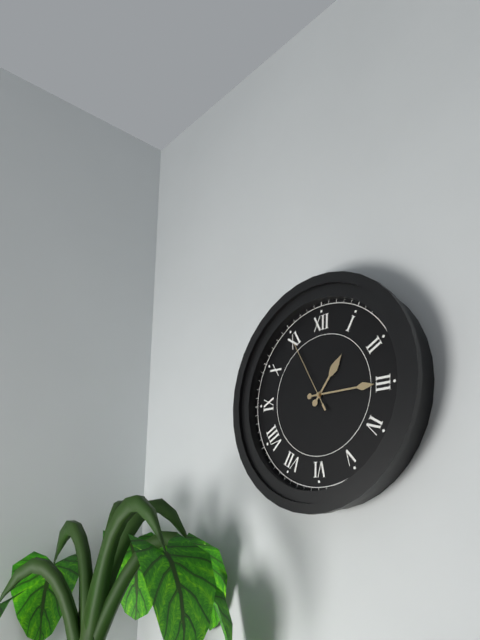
{"hour": 1, "minute": 15, "second": 55}
